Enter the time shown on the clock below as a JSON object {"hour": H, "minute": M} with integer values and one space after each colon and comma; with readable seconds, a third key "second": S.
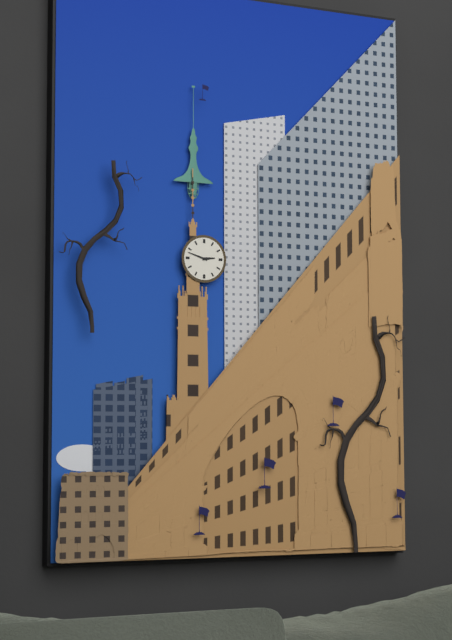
{"hour": 2, "minute": 48}
